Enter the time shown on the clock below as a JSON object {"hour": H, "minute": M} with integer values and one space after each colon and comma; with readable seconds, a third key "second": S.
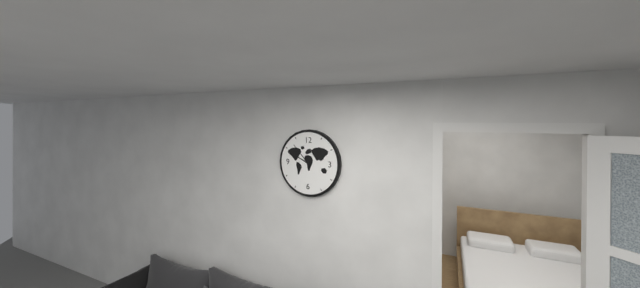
{"hour": 9, "minute": 53}
